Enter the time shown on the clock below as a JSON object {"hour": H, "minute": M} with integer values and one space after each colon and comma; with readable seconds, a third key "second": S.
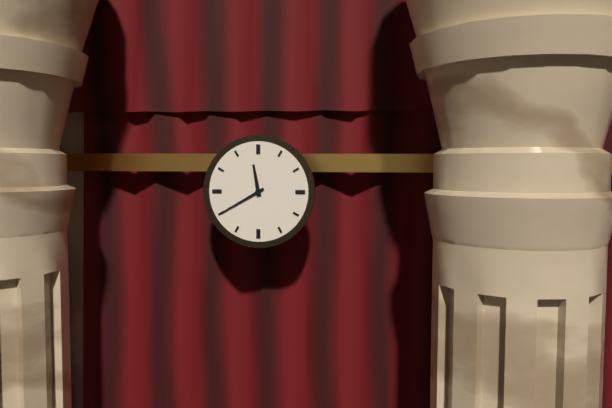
{"hour": 11, "minute": 40}
